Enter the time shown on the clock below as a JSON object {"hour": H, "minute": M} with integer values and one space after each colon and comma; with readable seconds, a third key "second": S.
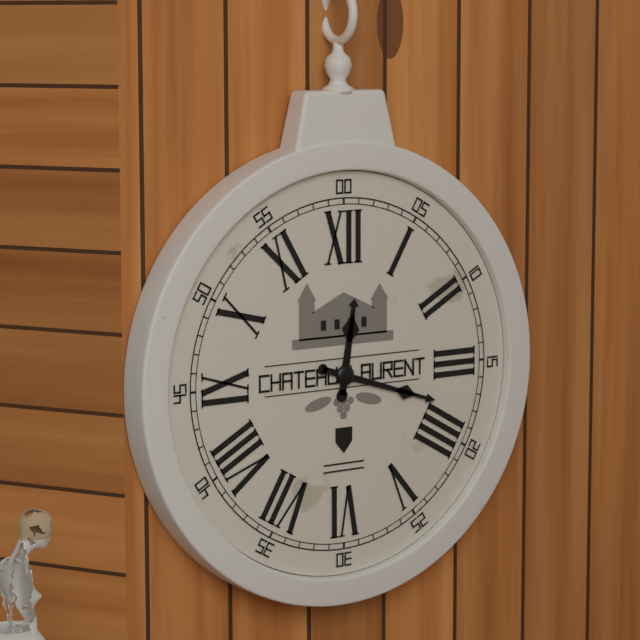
{"hour": 12, "minute": 18}
